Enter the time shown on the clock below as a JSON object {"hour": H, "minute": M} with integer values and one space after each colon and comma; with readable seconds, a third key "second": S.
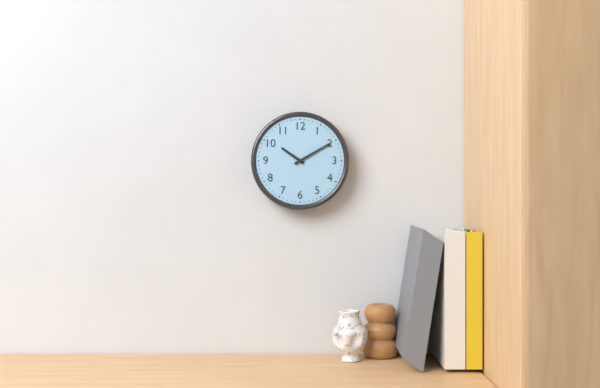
{"hour": 10, "minute": 10}
